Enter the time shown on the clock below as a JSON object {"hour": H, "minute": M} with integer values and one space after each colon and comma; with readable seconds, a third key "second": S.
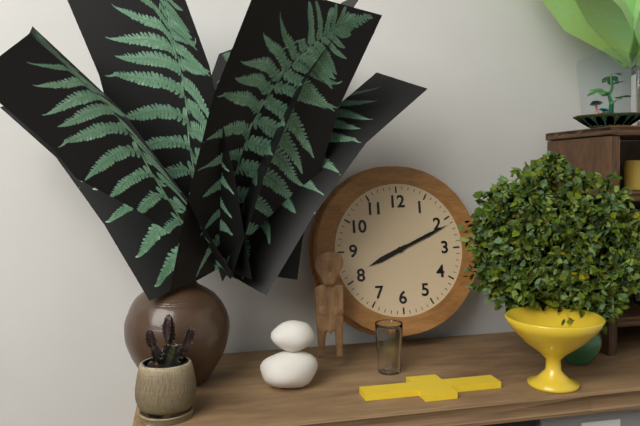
{"hour": 8, "minute": 11}
